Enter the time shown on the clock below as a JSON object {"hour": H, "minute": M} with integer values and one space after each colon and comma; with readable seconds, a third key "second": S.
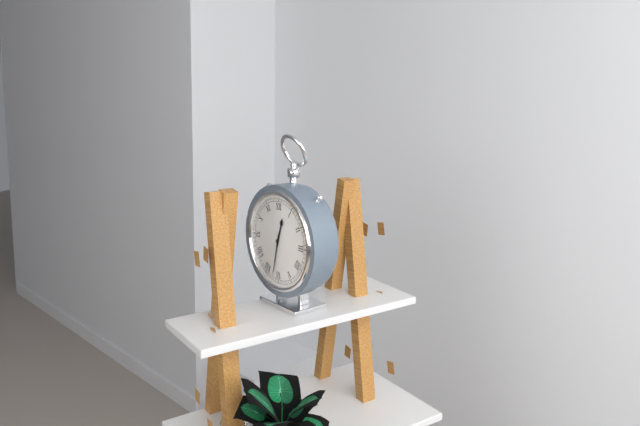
{"hour": 12, "minute": 32}
